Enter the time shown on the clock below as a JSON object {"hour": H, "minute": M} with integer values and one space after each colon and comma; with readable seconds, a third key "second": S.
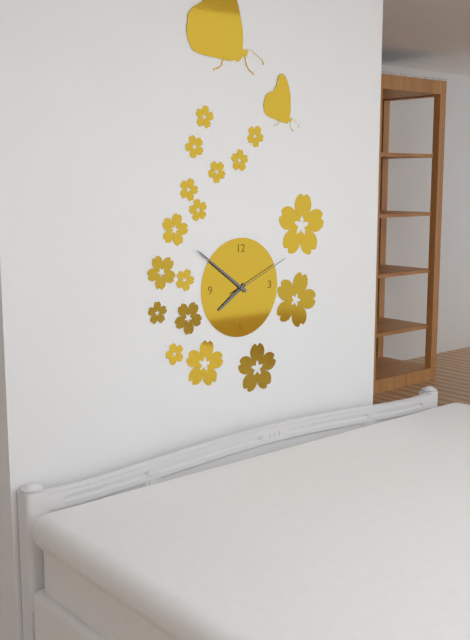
{"hour": 7, "minute": 51, "second": 11}
